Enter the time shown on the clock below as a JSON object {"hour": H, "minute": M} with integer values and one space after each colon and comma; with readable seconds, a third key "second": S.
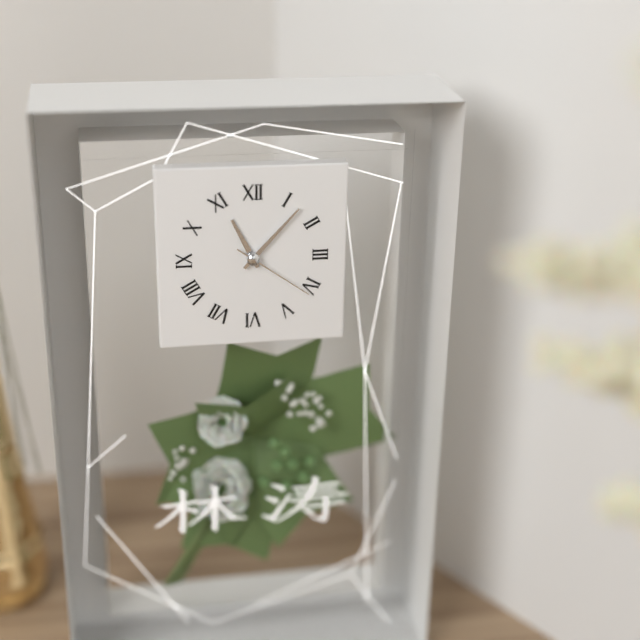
{"hour": 11, "minute": 7, "second": 21}
